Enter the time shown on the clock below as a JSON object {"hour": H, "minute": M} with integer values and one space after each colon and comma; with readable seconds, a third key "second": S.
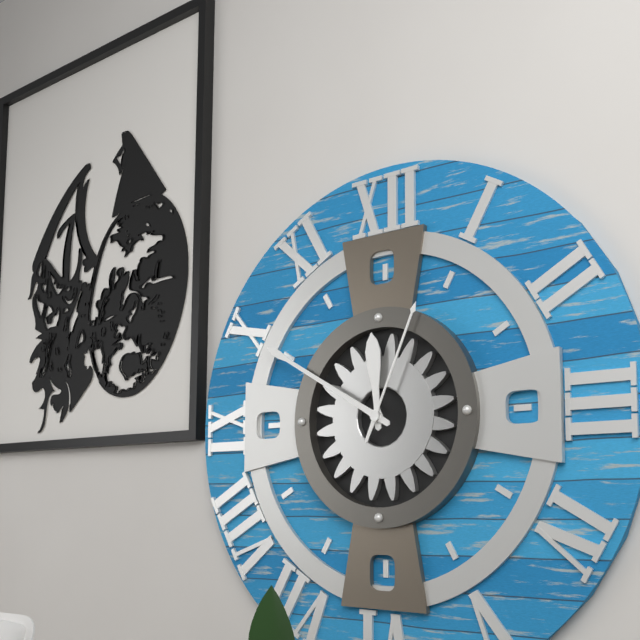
{"hour": 11, "minute": 50, "second": 4}
